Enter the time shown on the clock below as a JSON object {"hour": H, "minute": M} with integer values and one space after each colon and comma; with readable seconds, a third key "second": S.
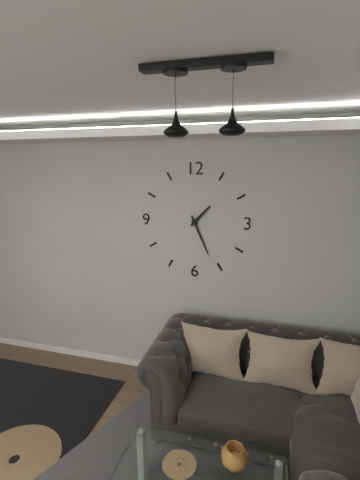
{"hour": 1, "minute": 26}
